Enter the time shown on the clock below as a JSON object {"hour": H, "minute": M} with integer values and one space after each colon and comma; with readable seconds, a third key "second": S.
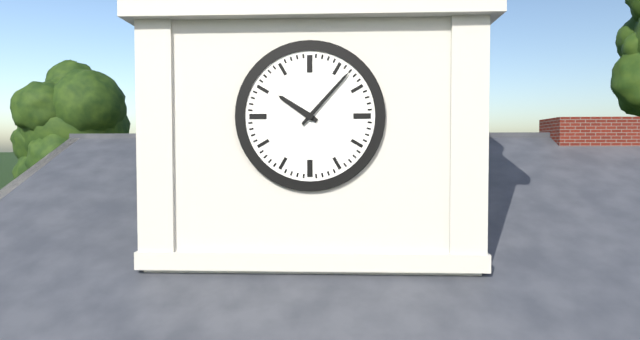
{"hour": 10, "minute": 7}
